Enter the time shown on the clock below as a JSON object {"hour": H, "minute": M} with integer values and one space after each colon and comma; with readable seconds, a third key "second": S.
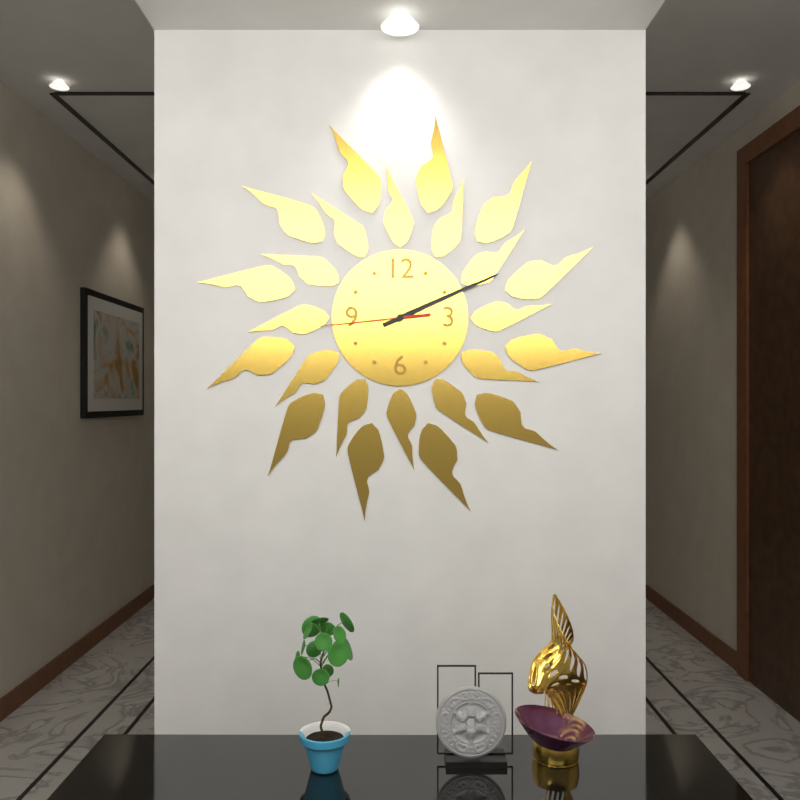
{"hour": 2, "minute": 11, "second": 44}
